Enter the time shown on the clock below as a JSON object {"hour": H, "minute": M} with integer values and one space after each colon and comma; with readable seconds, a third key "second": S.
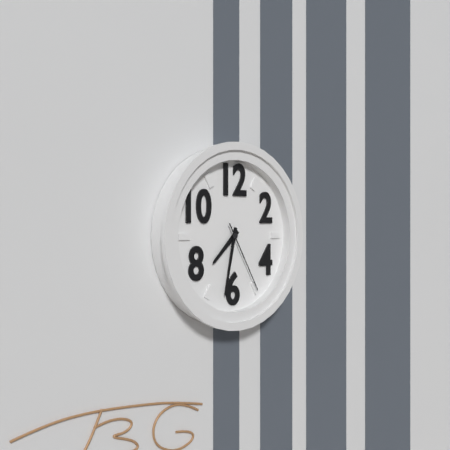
{"hour": 7, "minute": 32, "second": 25}
